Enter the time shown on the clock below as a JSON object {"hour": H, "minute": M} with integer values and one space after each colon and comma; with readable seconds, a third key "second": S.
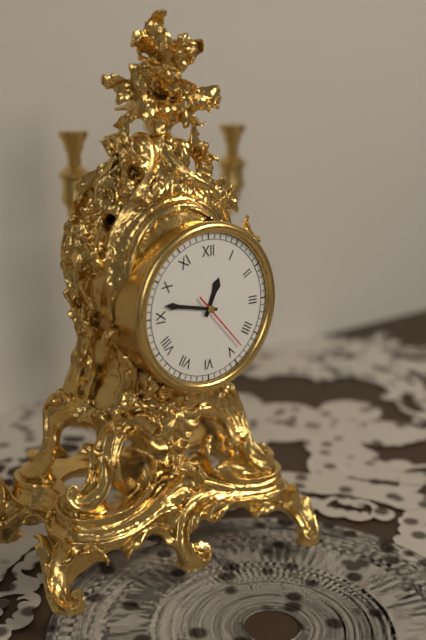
{"hour": 12, "minute": 47, "second": 23}
